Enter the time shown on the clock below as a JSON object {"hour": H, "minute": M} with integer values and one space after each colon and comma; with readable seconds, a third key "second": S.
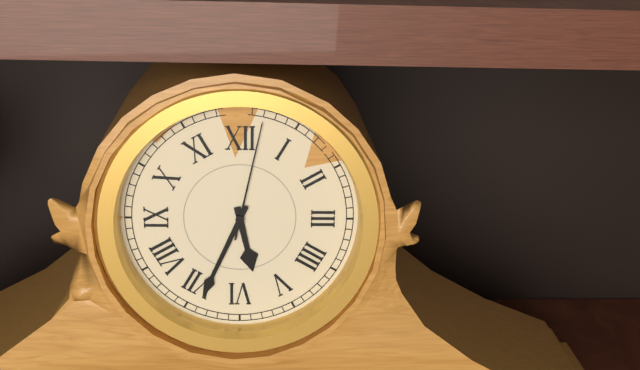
{"hour": 5, "minute": 34, "second": 2}
